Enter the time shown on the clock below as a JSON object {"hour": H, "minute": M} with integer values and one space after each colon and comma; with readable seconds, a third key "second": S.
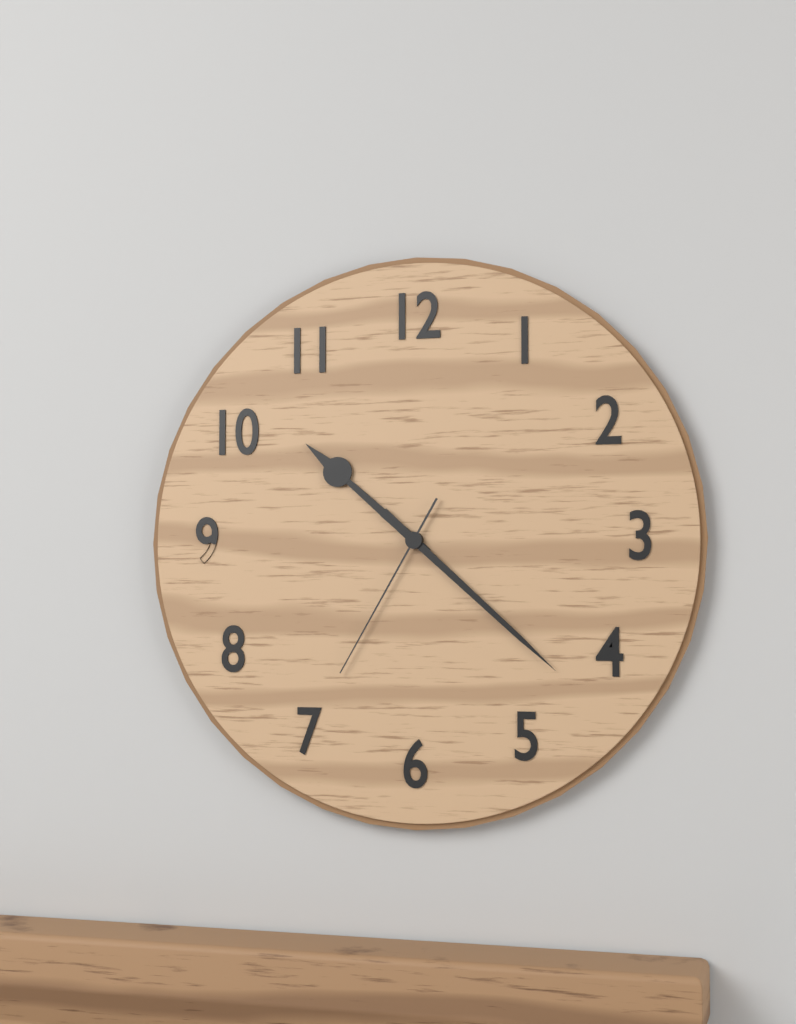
{"hour": 10, "minute": 22, "second": 35}
